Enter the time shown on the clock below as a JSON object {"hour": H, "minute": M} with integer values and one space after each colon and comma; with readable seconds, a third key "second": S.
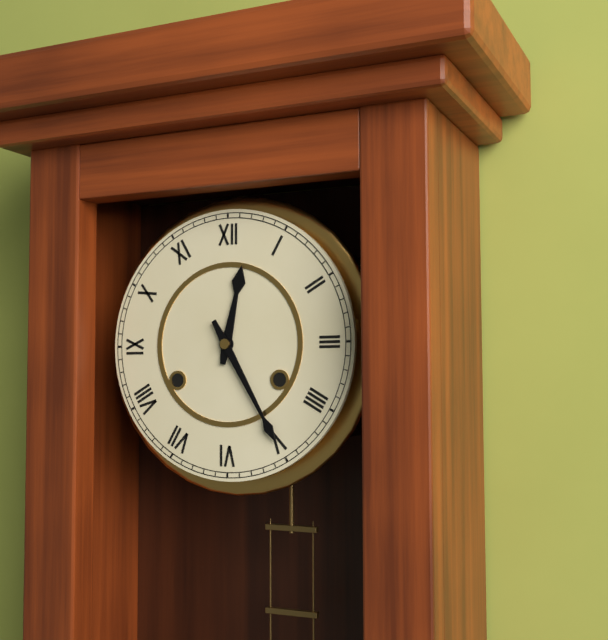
{"hour": 12, "minute": 25}
